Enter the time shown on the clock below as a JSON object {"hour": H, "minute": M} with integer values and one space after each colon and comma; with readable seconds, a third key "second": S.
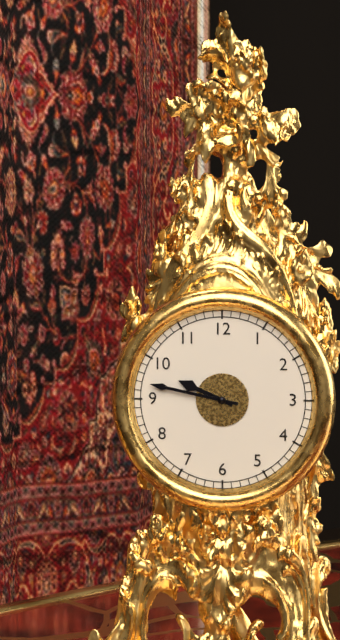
{"hour": 9, "minute": 47}
